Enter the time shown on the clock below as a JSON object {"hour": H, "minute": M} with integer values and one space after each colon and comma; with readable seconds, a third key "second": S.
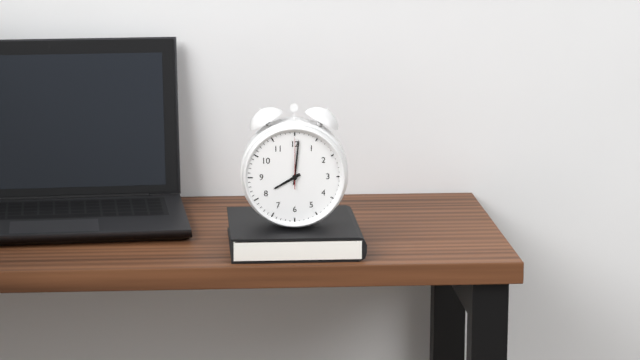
{"hour": 8, "minute": 1, "second": 0}
